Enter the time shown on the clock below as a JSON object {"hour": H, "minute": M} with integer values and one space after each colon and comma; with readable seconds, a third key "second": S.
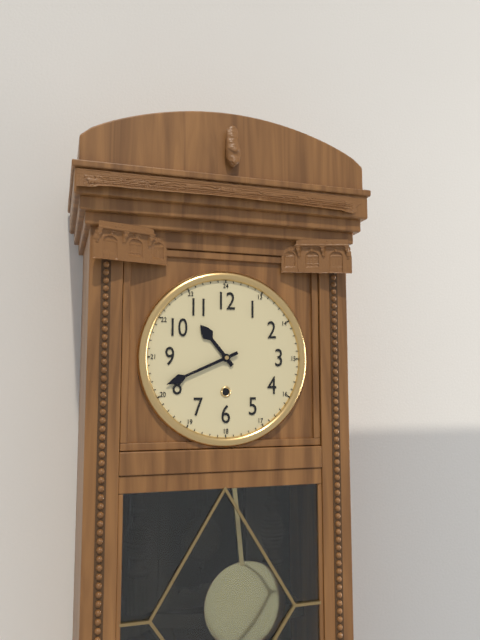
{"hour": 10, "minute": 41}
